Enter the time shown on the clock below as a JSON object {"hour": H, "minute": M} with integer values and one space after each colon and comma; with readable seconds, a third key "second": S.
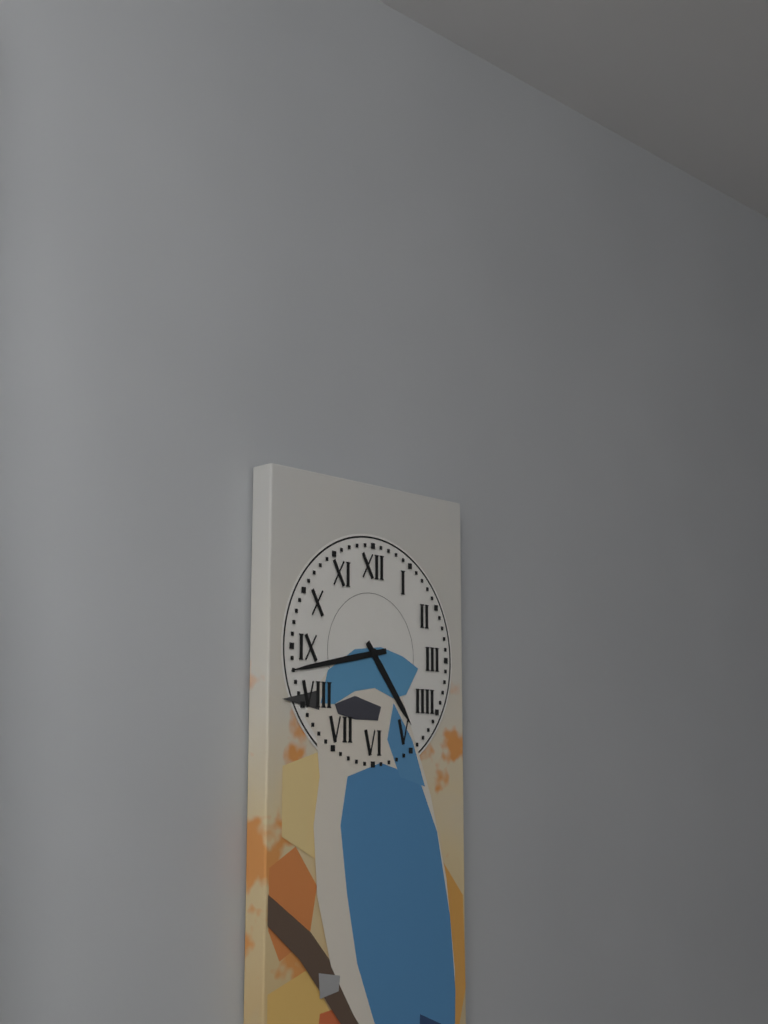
{"hour": 4, "minute": 43}
